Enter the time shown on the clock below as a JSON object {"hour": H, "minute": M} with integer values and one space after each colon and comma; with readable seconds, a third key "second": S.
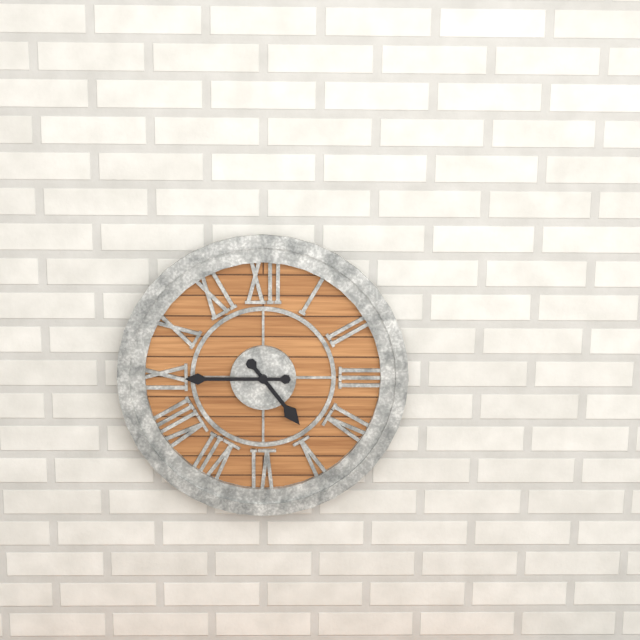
{"hour": 4, "minute": 45}
